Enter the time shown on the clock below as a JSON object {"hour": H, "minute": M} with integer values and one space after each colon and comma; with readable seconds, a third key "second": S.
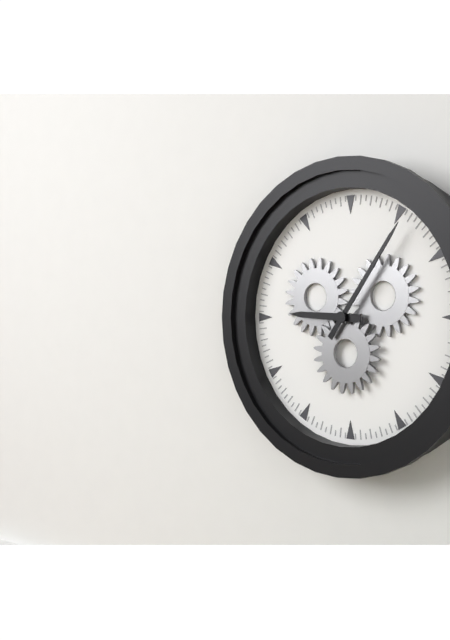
{"hour": 9, "minute": 6}
